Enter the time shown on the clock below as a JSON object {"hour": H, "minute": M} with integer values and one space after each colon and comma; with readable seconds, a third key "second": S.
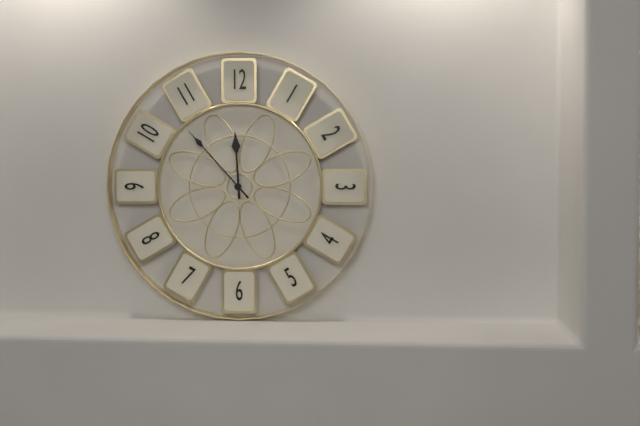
{"hour": 11, "minute": 53}
